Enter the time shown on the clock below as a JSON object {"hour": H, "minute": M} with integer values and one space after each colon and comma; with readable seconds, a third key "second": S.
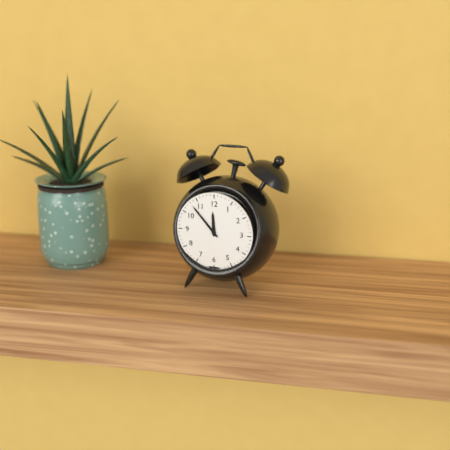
{"hour": 11, "minute": 53}
